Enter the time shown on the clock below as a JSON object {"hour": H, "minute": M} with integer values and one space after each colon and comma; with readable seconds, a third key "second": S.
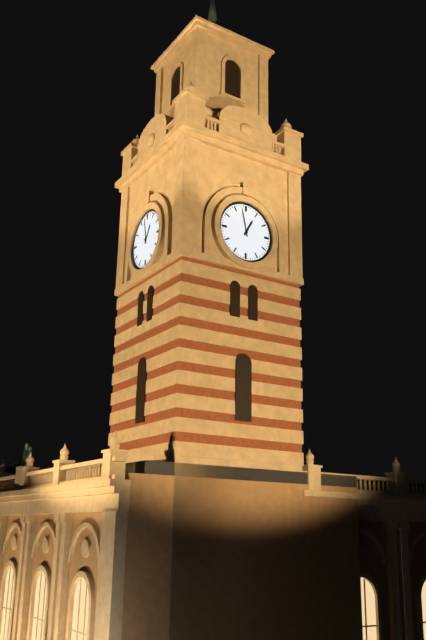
{"hour": 12, "minute": 58}
